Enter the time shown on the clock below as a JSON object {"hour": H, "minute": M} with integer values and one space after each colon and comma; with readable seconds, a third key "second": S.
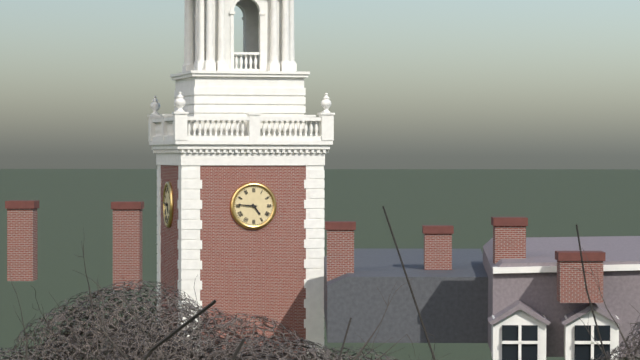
{"hour": 4, "minute": 46}
